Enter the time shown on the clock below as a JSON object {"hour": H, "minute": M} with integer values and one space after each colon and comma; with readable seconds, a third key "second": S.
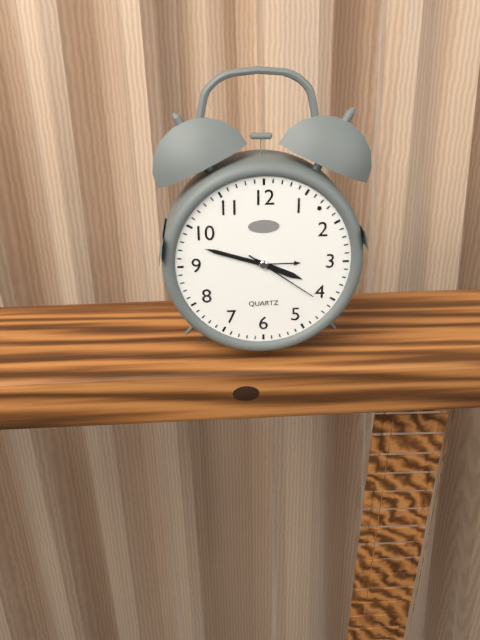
{"hour": 3, "minute": 48, "second": 21}
